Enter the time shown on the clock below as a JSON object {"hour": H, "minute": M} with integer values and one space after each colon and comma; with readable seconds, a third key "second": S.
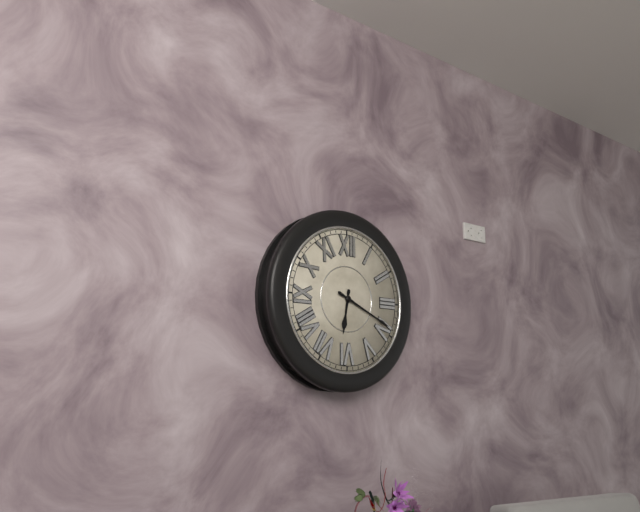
{"hour": 6, "minute": 19}
